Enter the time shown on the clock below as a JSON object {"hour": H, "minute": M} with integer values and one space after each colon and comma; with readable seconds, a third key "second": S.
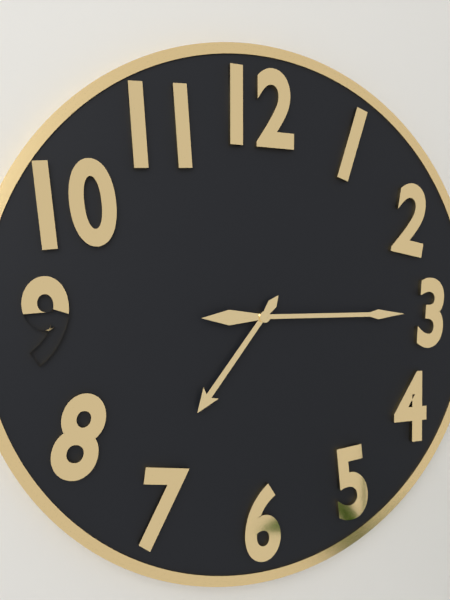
{"hour": 7, "minute": 15}
